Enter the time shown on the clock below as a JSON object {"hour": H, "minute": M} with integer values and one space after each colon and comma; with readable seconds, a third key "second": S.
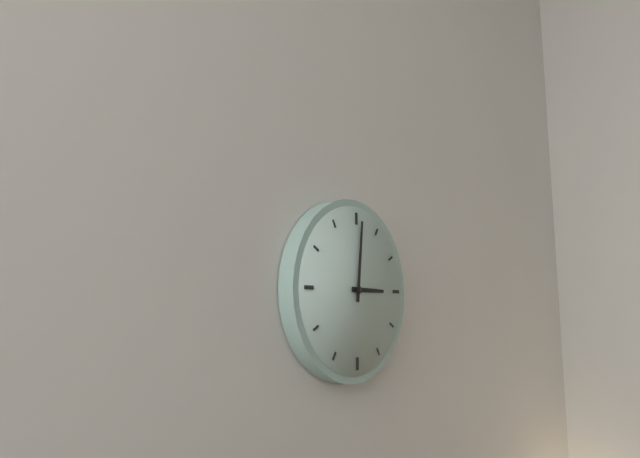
{"hour": 3, "minute": 1}
